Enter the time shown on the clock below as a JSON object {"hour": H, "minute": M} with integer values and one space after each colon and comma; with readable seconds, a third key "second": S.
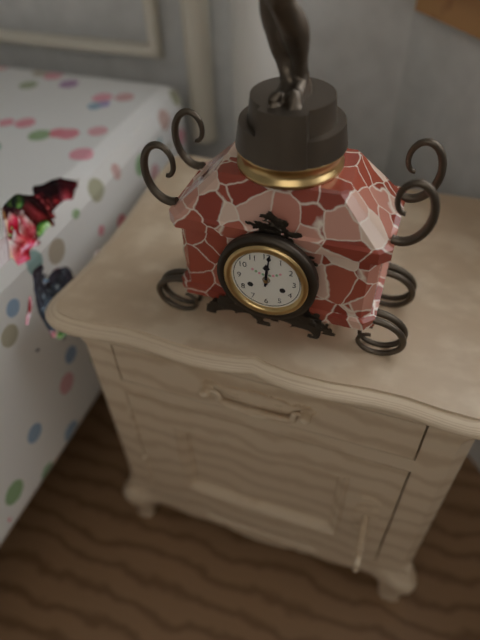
{"hour": 12, "minute": 1}
